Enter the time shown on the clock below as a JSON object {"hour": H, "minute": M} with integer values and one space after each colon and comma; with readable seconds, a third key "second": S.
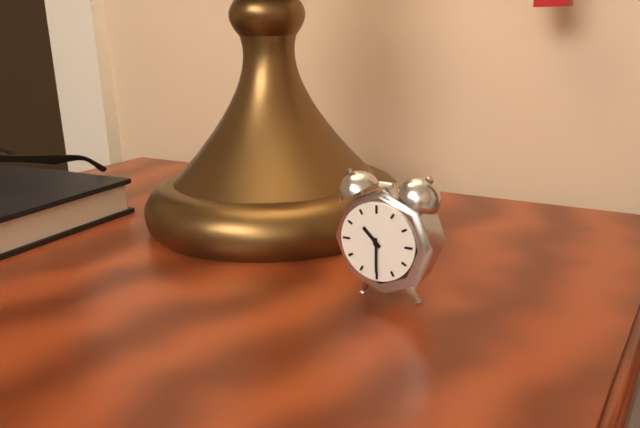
{"hour": 10, "minute": 30}
